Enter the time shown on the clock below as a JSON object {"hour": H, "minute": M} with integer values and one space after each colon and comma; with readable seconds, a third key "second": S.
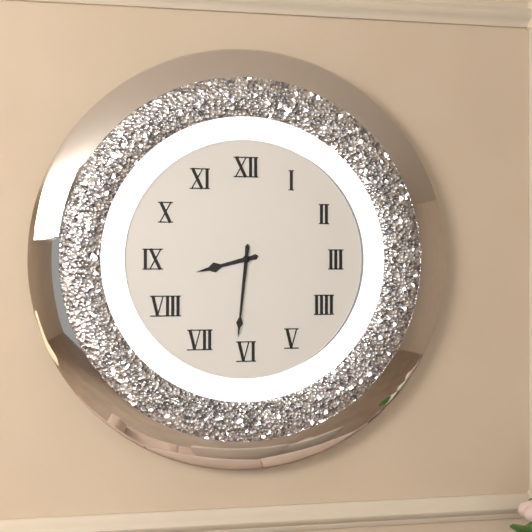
{"hour": 8, "minute": 31}
